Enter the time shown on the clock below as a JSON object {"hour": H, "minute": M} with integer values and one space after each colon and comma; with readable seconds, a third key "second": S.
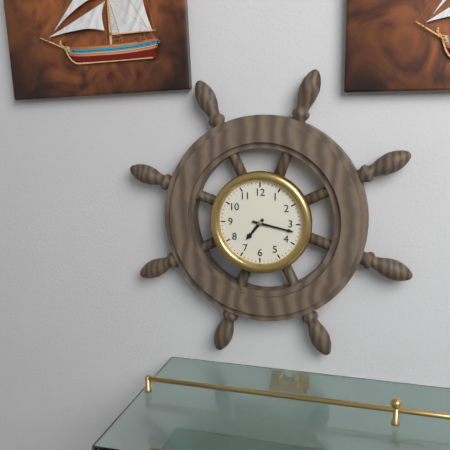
{"hour": 7, "minute": 17}
